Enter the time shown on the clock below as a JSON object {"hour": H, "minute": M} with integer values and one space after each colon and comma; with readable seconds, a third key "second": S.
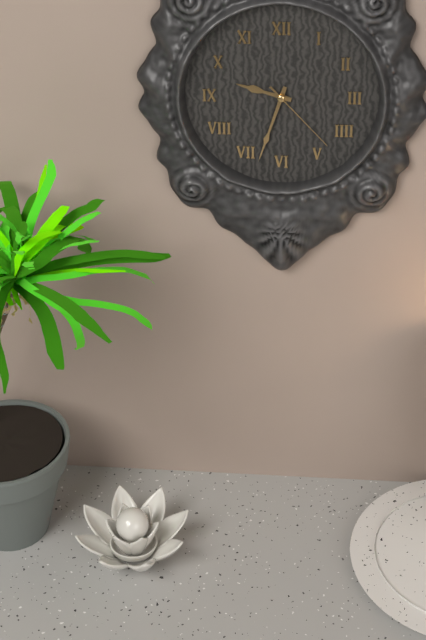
{"hour": 9, "minute": 33, "second": 23}
